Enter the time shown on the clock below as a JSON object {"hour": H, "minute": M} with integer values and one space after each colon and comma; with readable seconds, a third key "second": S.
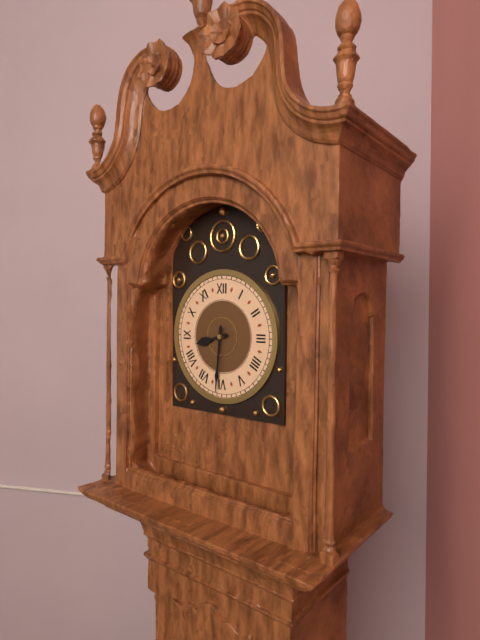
{"hour": 8, "minute": 31}
